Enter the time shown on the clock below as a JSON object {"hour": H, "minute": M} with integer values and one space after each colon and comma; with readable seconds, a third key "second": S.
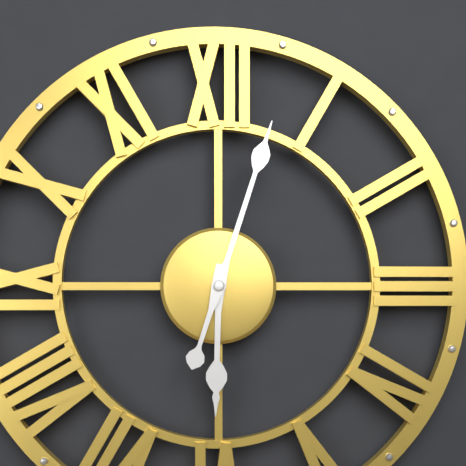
{"hour": 6, "minute": 3}
